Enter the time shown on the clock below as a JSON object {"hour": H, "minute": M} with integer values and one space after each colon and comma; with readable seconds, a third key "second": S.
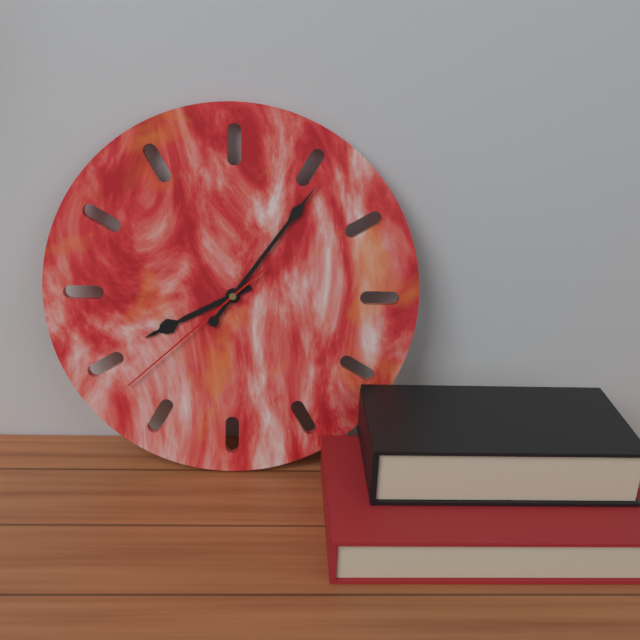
{"hour": 8, "minute": 6, "second": 38}
